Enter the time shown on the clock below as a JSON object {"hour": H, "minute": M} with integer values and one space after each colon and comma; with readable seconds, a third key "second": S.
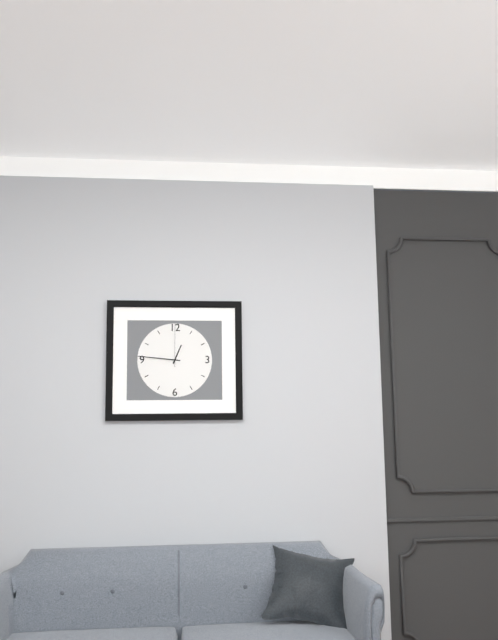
{"hour": 12, "minute": 46}
